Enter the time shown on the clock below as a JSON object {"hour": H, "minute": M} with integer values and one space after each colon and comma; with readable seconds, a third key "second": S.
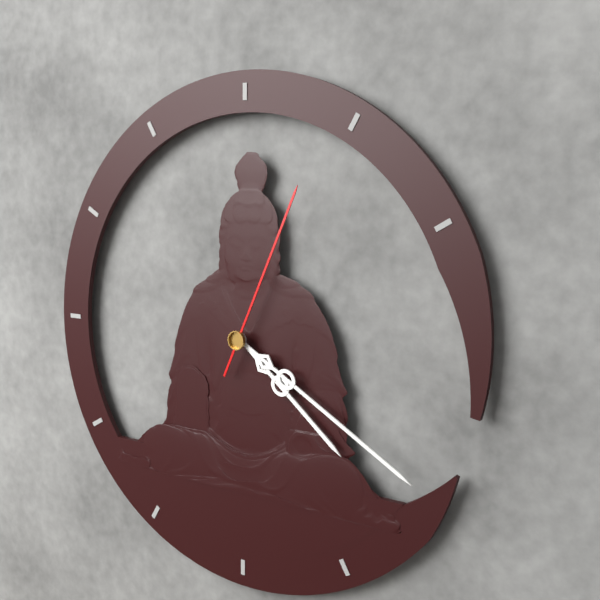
{"hour": 4, "minute": 20, "second": 4}
